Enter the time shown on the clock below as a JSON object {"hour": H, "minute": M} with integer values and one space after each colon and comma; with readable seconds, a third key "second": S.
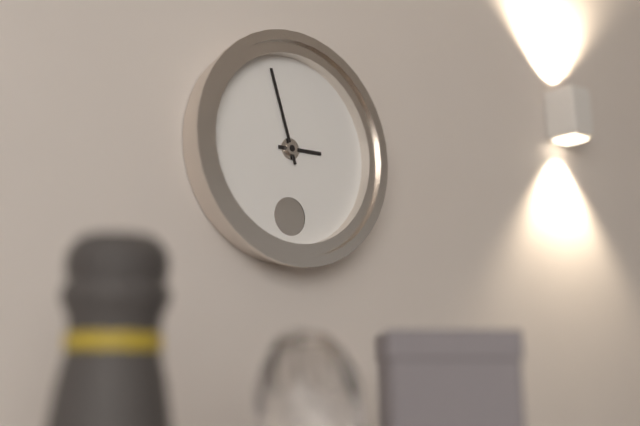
{"hour": 2, "minute": 57}
